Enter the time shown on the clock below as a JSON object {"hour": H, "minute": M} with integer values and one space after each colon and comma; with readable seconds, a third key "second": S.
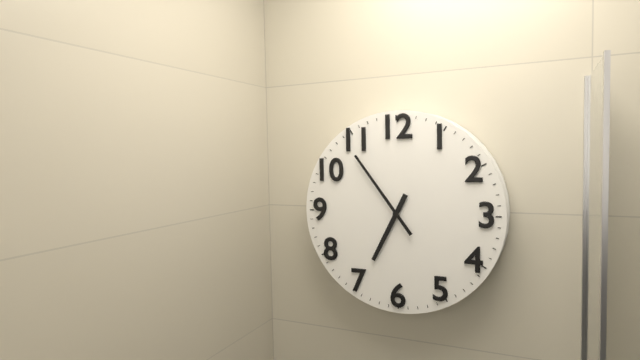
{"hour": 6, "minute": 54}
